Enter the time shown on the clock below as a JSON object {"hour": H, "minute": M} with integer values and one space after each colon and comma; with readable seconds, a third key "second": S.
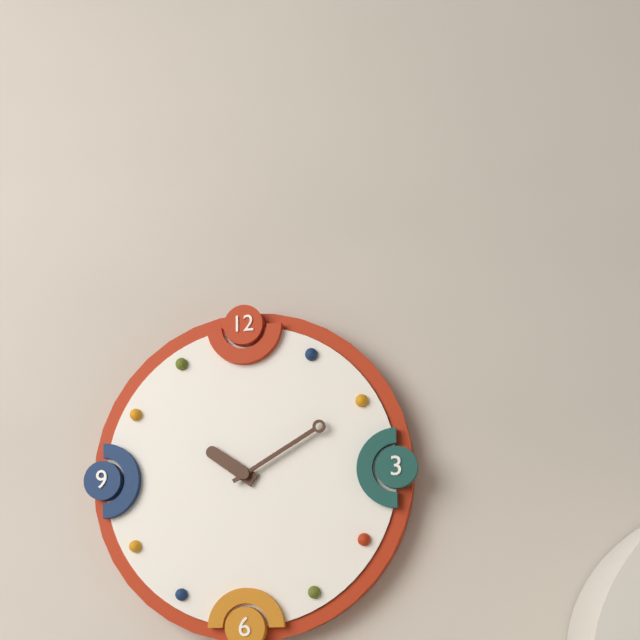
{"hour": 10, "minute": 10}
